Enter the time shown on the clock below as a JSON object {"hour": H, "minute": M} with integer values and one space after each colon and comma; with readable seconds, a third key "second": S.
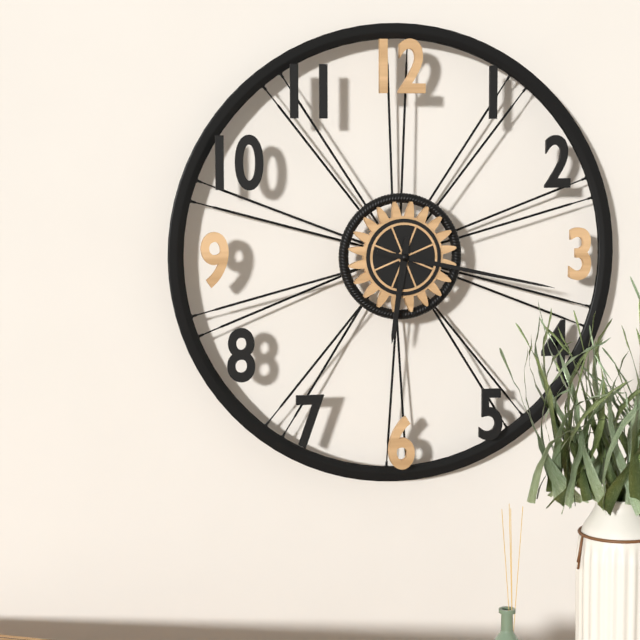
{"hour": 6, "minute": 17}
